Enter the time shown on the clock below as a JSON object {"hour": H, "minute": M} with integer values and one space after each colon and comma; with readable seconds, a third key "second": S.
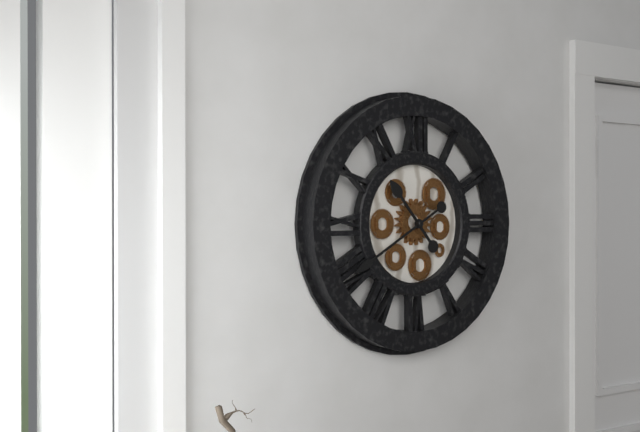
{"hour": 10, "minute": 40}
